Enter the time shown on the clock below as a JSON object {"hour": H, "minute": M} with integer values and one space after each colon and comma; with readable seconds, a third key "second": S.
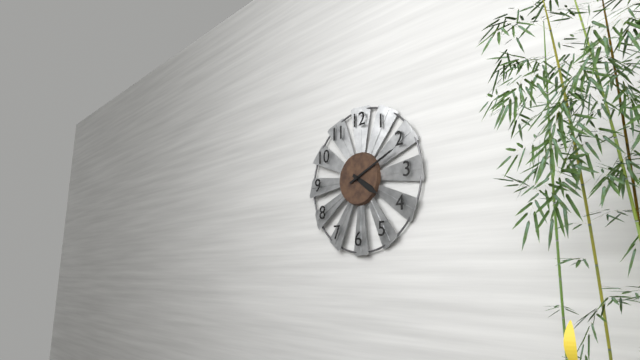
{"hour": 4, "minute": 11}
